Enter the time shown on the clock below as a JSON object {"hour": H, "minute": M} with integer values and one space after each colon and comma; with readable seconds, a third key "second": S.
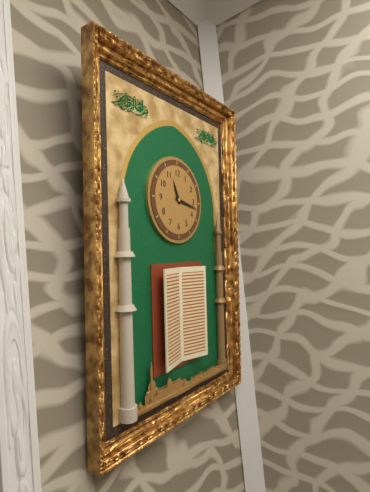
{"hour": 11, "minute": 17}
